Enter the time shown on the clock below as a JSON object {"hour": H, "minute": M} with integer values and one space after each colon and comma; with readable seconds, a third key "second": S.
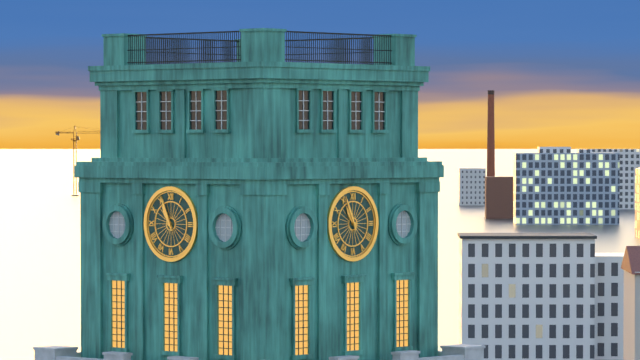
{"hour": 10, "minute": 56}
